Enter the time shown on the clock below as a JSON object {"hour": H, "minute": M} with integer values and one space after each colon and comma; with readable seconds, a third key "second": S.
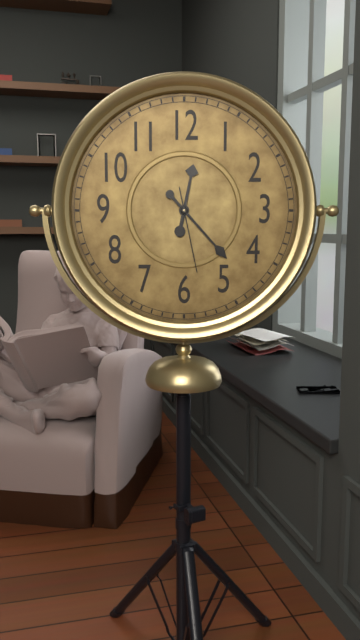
{"hour": 12, "minute": 23, "second": 28}
